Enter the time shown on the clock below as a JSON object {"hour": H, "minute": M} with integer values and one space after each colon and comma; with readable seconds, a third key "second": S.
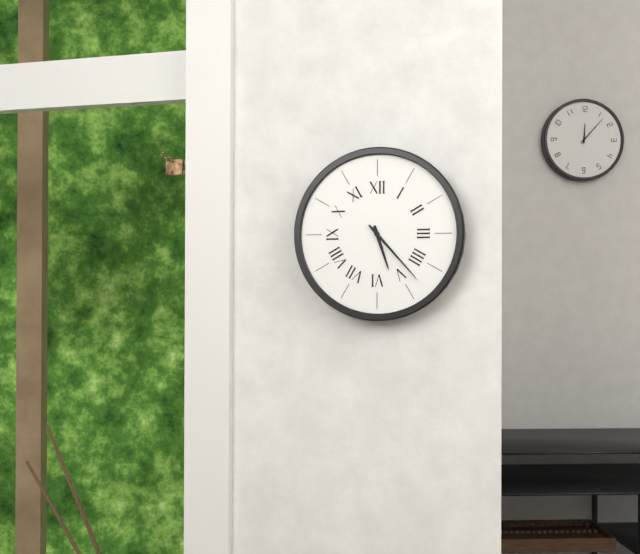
{"hour": 5, "minute": 23}
